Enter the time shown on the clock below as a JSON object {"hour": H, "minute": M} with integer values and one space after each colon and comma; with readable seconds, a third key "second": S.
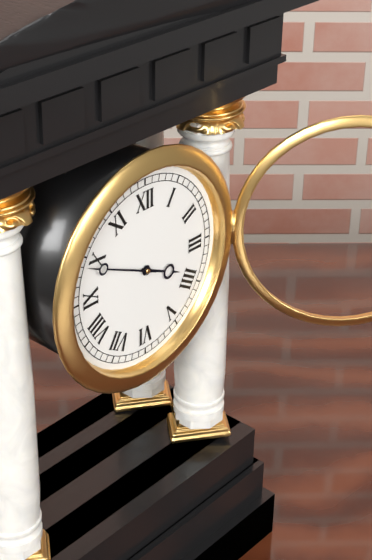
{"hour": 3, "minute": 49}
